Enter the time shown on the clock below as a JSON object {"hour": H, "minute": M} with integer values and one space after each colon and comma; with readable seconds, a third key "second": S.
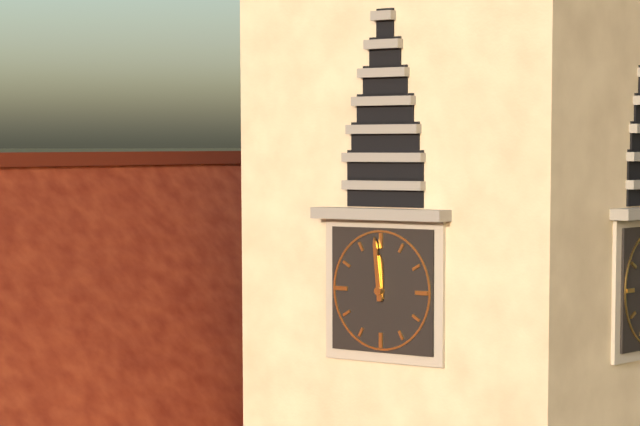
{"hour": 11, "minute": 59}
